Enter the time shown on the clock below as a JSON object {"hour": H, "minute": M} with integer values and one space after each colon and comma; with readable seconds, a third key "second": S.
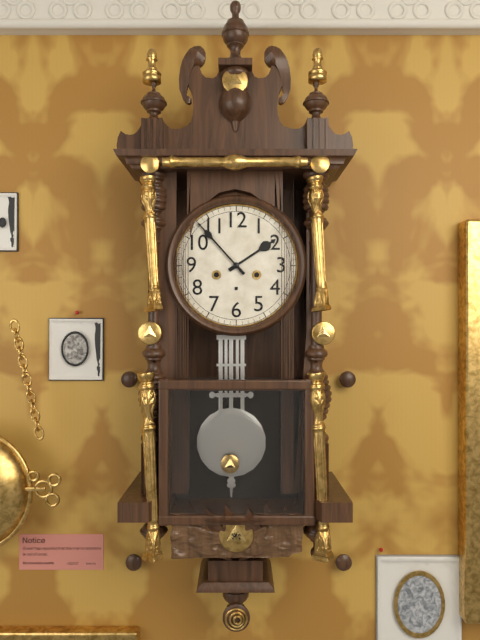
{"hour": 1, "minute": 53}
